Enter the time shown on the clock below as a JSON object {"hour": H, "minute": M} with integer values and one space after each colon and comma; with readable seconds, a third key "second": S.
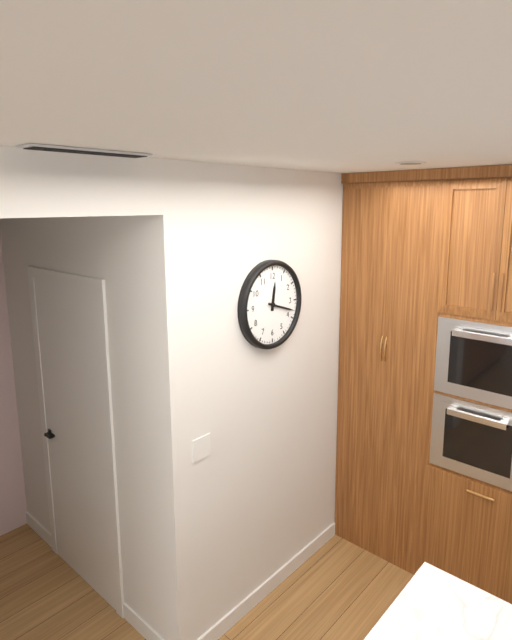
{"hour": 12, "minute": 18}
